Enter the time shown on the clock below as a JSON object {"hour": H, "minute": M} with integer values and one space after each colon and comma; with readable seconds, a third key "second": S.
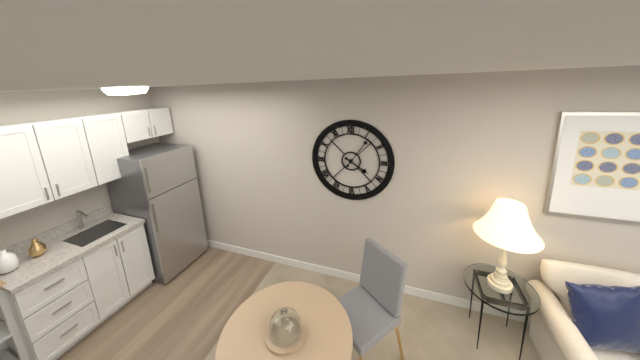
{"hour": 4, "minute": 6}
